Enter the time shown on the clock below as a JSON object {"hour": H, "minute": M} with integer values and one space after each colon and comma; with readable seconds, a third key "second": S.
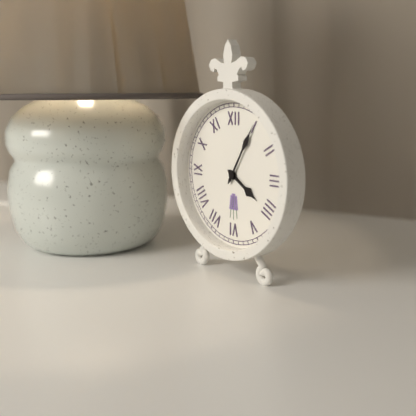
{"hour": 4, "minute": 5}
